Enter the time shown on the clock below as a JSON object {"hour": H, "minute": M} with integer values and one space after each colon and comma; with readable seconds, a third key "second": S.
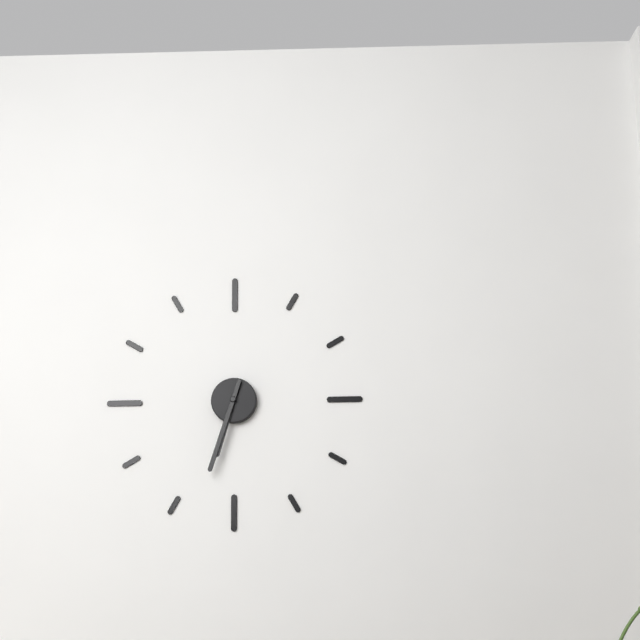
{"hour": 6, "minute": 33}
